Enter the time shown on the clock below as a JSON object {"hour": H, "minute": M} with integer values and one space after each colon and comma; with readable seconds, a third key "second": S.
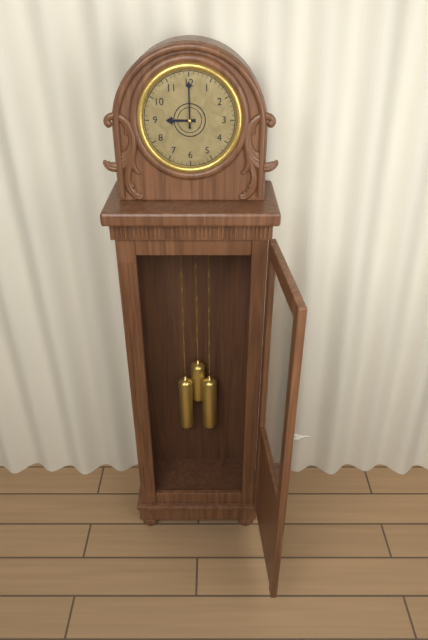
{"hour": 9, "minute": 0}
